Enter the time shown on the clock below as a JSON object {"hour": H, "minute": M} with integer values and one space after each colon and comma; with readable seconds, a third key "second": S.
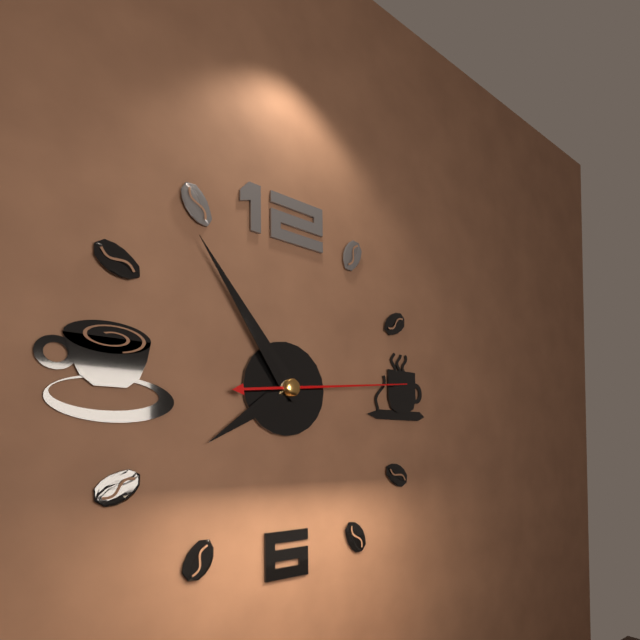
{"hour": 7, "minute": 54, "second": 14}
